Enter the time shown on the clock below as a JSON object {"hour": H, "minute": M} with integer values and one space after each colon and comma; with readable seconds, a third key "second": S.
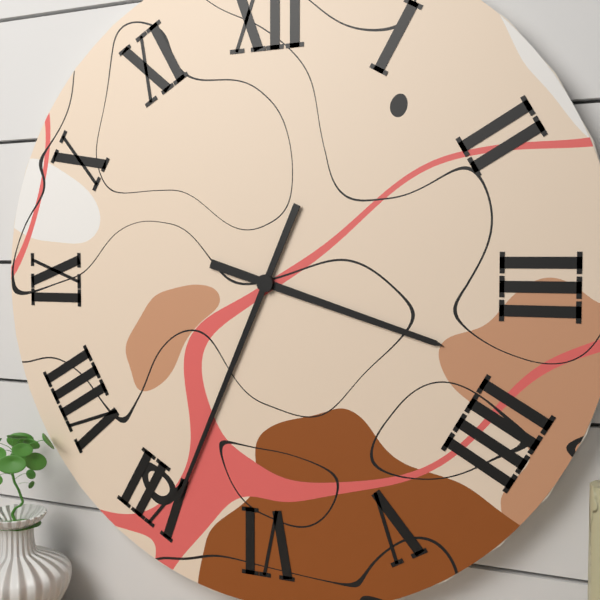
{"hour": 3, "minute": 34}
